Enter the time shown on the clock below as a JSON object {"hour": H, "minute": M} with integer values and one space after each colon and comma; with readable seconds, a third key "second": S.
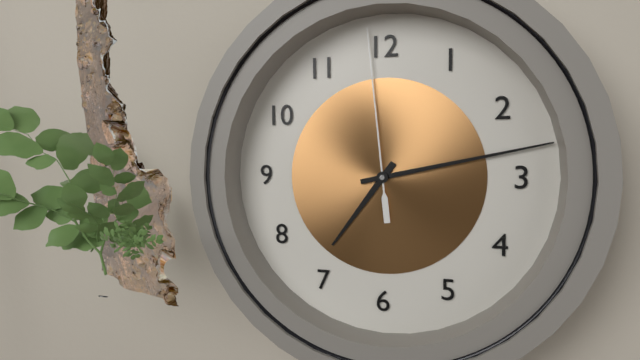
{"hour": 7, "minute": 13, "second": 59}
